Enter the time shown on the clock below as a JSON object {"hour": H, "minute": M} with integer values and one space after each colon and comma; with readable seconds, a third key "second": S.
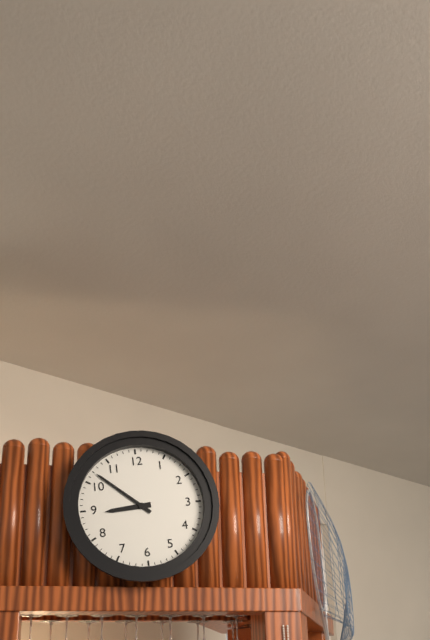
{"hour": 8, "minute": 52}
